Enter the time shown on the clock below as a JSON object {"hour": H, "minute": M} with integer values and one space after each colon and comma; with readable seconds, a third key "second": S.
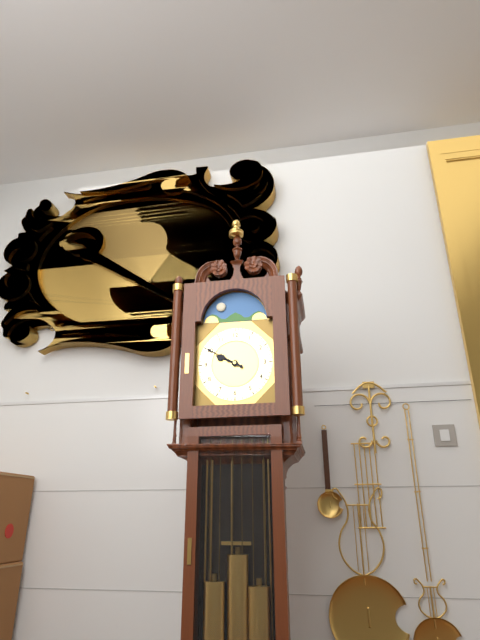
{"hour": 9, "minute": 50}
